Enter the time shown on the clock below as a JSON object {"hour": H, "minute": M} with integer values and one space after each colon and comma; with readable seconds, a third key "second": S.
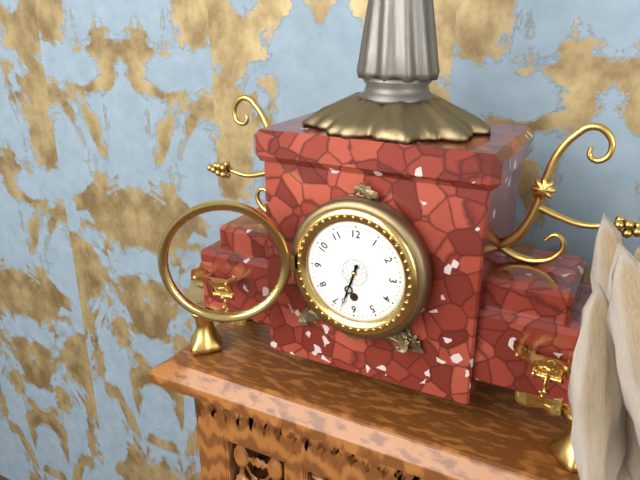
{"hour": 6, "minute": 33}
